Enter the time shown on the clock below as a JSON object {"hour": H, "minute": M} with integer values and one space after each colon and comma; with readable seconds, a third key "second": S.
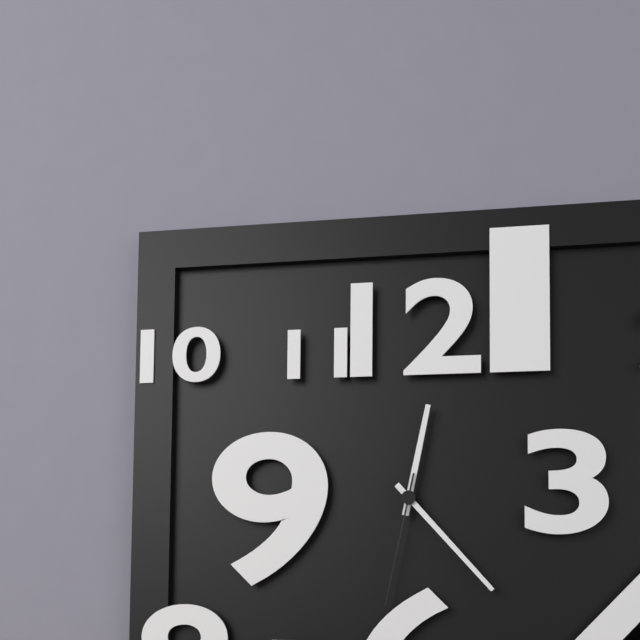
{"hour": 12, "minute": 23, "second": 32}
